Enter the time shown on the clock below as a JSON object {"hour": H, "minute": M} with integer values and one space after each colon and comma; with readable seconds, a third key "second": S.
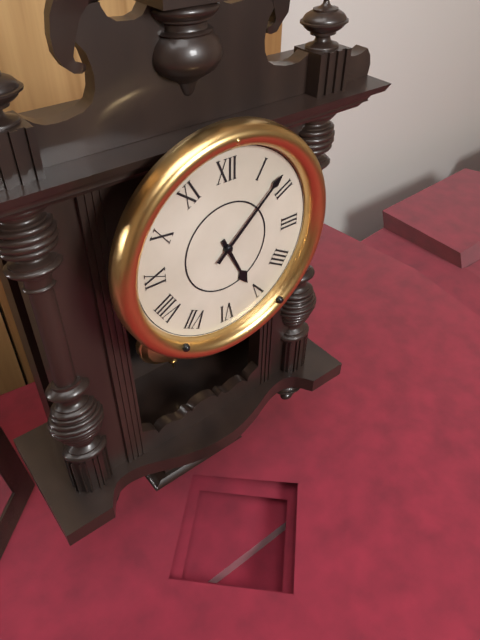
{"hour": 5, "minute": 8}
